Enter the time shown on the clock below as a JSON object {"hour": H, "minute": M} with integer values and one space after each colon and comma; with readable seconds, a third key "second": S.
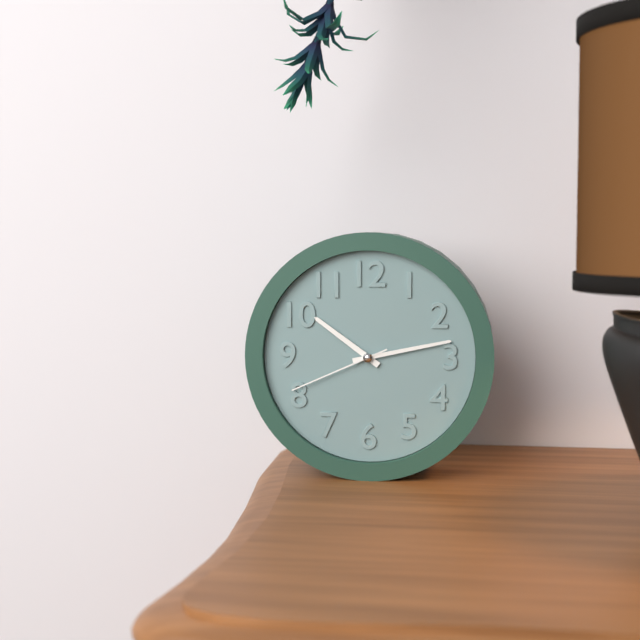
{"hour": 10, "minute": 13, "second": 41}
